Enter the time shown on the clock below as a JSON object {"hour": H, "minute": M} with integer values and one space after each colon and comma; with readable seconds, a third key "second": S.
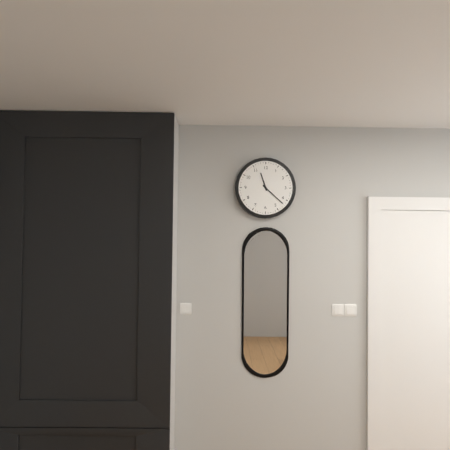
{"hour": 11, "minute": 22}
